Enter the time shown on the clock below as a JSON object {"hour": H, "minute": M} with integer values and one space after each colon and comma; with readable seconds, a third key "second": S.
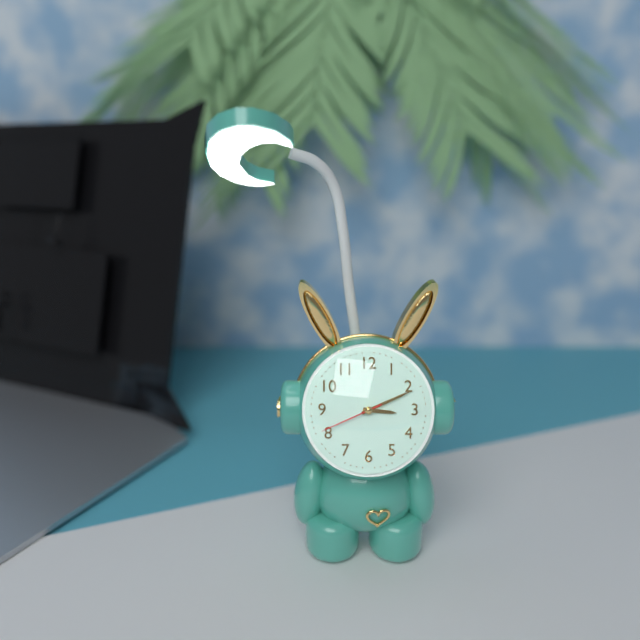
{"hour": 3, "minute": 11, "second": 41}
